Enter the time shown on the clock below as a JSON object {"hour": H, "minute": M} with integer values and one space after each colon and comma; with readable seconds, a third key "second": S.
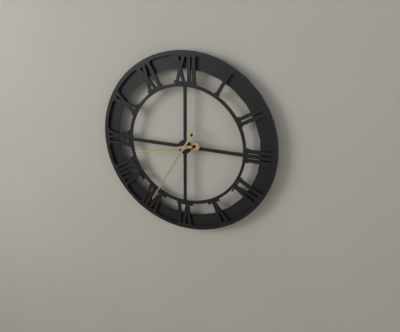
{"hour": 8, "minute": 35}
